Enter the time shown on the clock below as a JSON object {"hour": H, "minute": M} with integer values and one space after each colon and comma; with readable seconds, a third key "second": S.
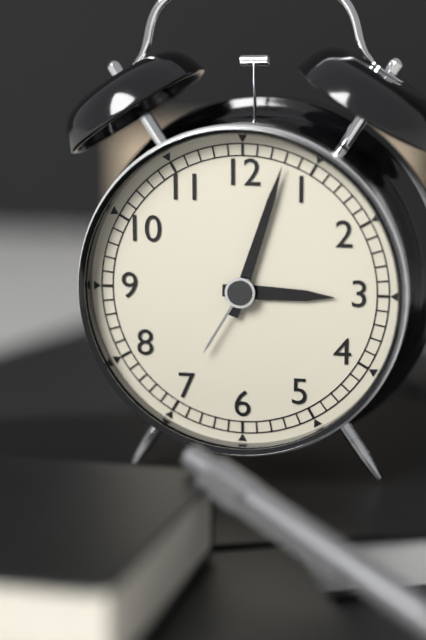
{"hour": 3, "minute": 3}
